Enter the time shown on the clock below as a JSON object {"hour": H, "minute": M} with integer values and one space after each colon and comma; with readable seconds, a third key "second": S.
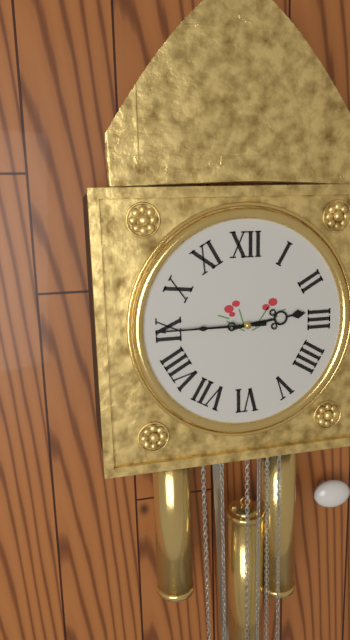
{"hour": 2, "minute": 45}
